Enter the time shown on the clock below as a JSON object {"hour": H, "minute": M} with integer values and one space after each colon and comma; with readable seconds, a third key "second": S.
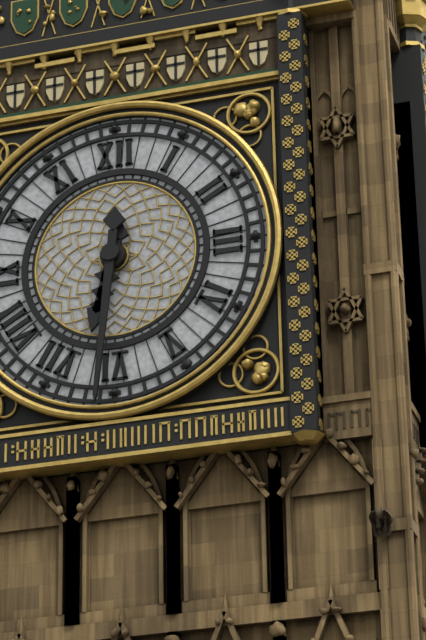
{"hour": 6, "minute": 31}
